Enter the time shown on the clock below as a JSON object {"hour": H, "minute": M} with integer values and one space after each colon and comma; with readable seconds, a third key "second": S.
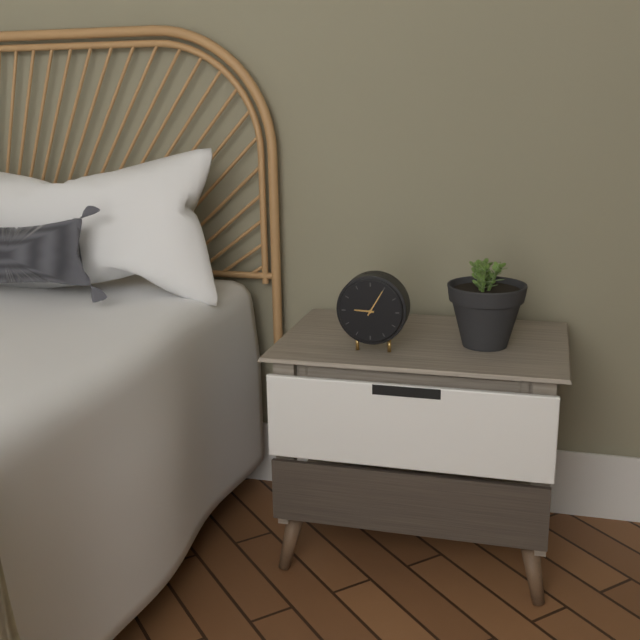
{"hour": 9, "minute": 5}
